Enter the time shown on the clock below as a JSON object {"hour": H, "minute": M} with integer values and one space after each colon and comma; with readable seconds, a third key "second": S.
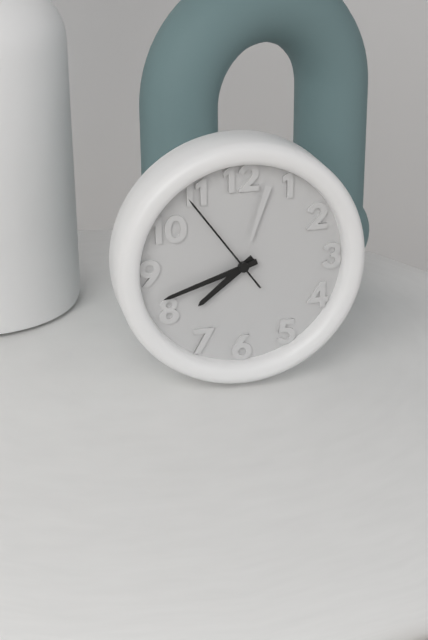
{"hour": 7, "minute": 42, "second": 54}
